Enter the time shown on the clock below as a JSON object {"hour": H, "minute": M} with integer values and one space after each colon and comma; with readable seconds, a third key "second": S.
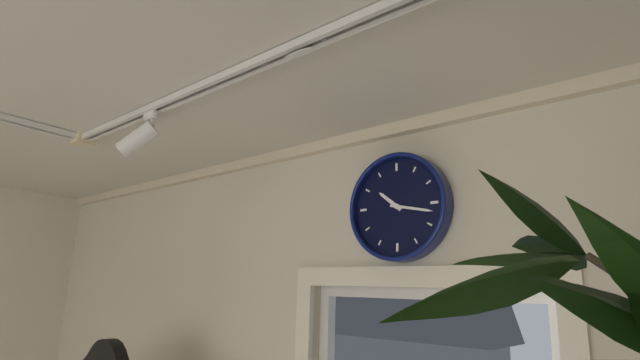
{"hour": 10, "minute": 17}
